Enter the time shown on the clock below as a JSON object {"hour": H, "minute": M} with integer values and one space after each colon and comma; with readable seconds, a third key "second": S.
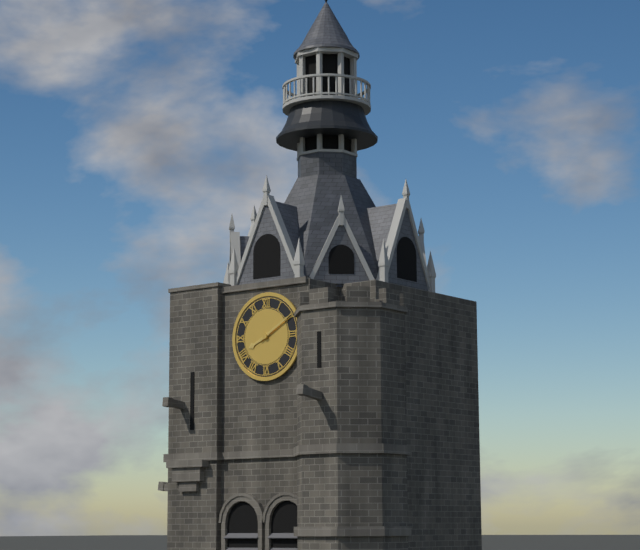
{"hour": 8, "minute": 10}
